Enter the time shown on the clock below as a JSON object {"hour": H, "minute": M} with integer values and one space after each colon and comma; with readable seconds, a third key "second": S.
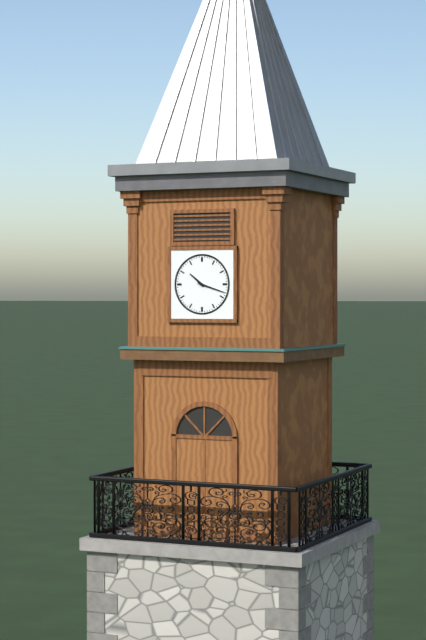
{"hour": 10, "minute": 18}
